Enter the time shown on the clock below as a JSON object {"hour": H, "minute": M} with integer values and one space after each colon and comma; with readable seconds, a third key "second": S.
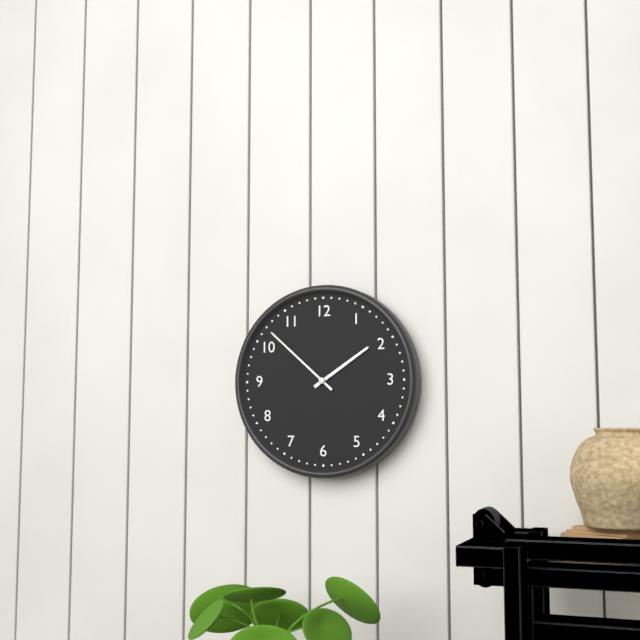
{"hour": 1, "minute": 52}
